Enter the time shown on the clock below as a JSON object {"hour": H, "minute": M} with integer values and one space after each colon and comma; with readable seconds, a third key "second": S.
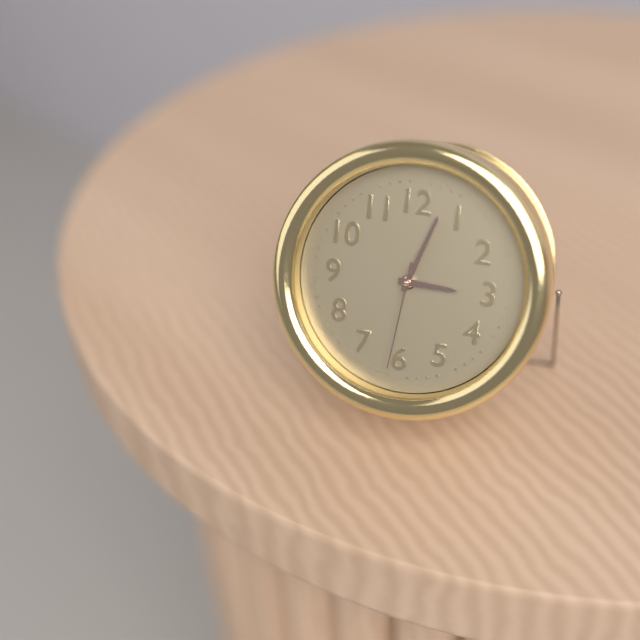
{"hour": 3, "minute": 3, "second": 31}
